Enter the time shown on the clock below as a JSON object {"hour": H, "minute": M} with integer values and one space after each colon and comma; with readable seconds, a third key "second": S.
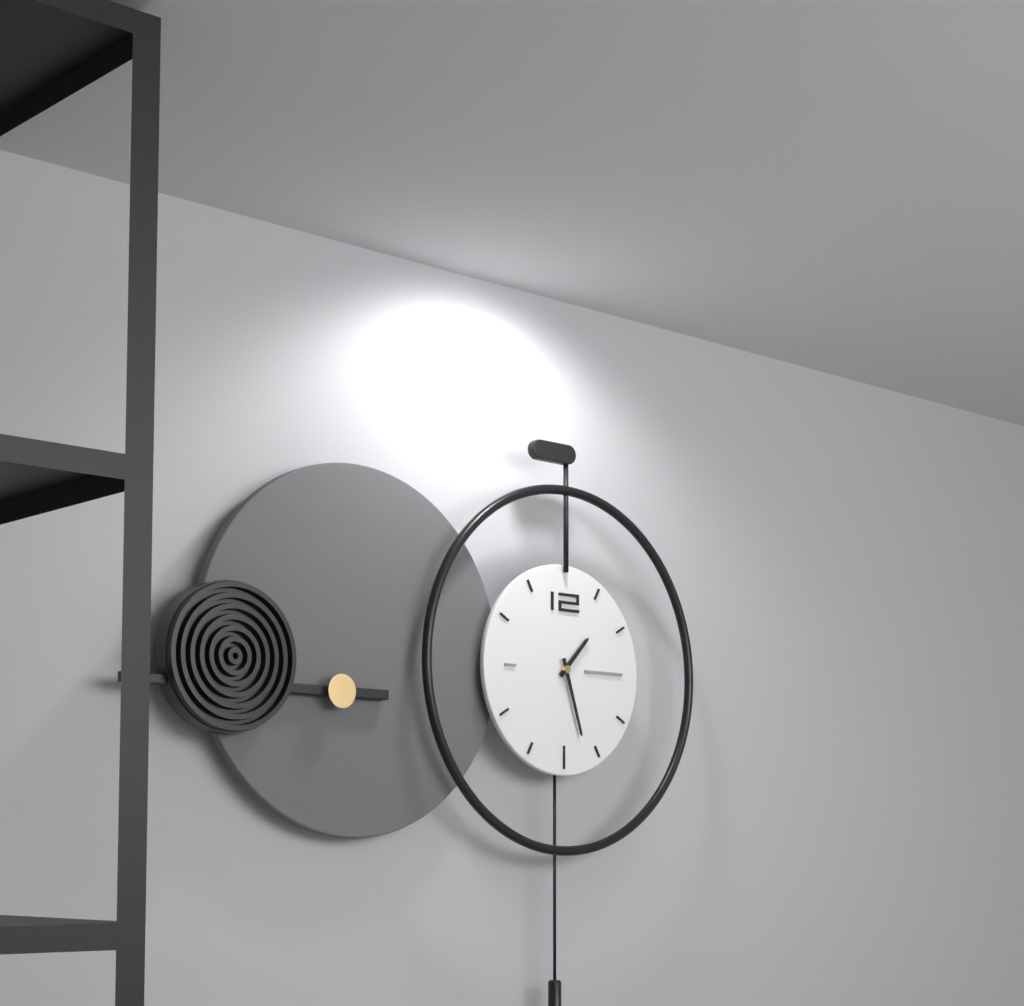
{"hour": 1, "minute": 27}
